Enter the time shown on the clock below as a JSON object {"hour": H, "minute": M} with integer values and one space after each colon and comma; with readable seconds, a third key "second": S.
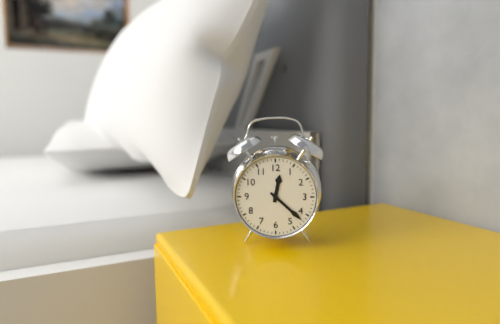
{"hour": 12, "minute": 22}
